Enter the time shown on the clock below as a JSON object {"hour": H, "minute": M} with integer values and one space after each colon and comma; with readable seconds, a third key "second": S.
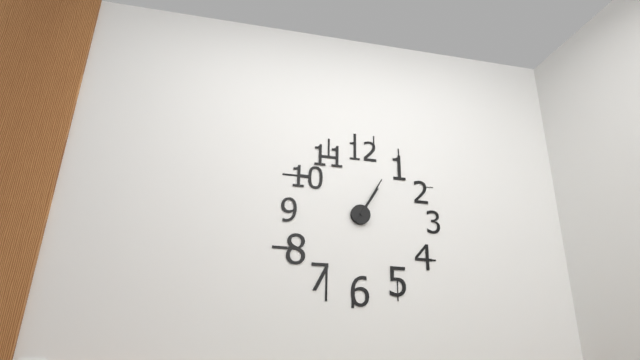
{"hour": 1, "minute": 5}
